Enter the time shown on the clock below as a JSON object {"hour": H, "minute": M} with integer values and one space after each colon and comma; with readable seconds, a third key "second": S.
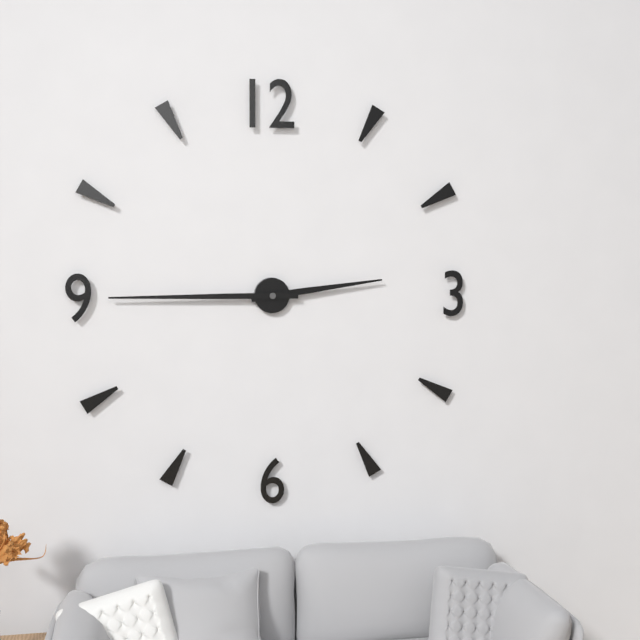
{"hour": 2, "minute": 45}
